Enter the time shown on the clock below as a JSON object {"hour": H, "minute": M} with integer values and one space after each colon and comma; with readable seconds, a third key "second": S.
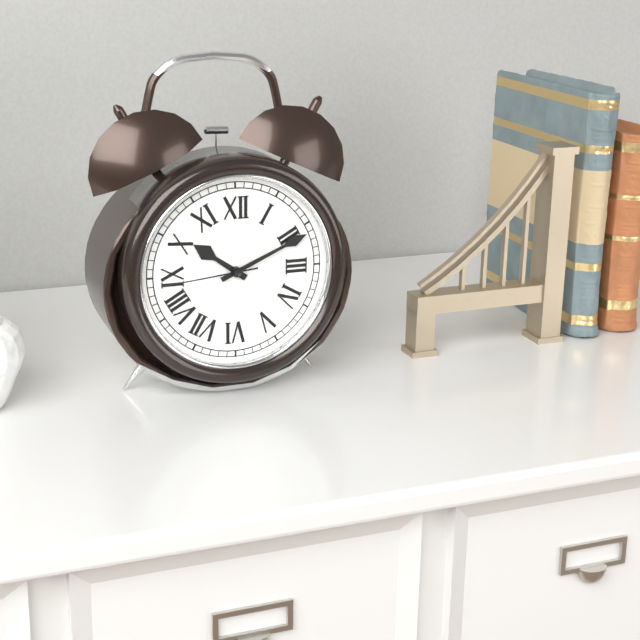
{"hour": 10, "minute": 11, "second": 44}
